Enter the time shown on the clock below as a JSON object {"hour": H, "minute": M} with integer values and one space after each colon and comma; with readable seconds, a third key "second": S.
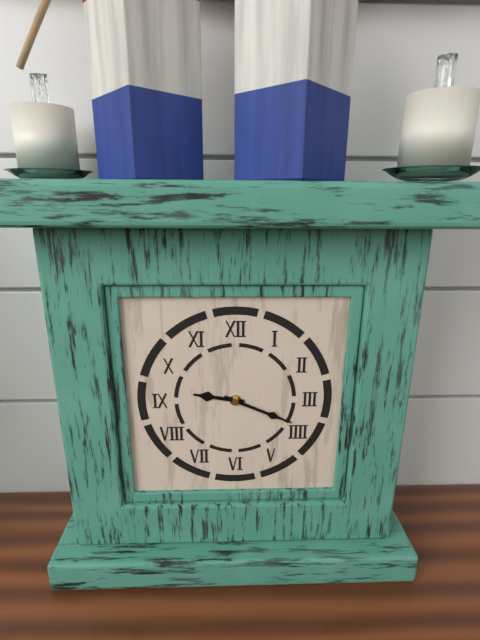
{"hour": 9, "minute": 19}
